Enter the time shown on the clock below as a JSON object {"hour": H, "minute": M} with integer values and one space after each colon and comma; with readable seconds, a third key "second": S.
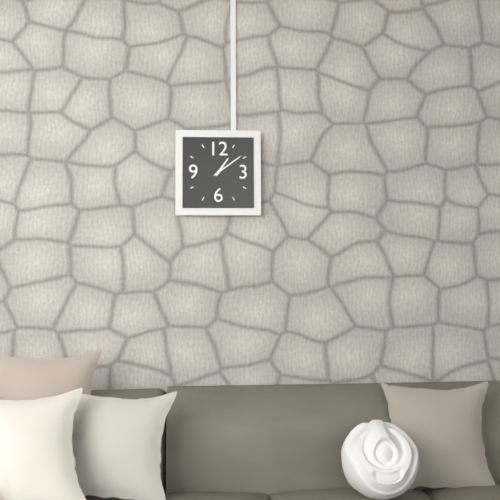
{"hour": 1, "minute": 9}
